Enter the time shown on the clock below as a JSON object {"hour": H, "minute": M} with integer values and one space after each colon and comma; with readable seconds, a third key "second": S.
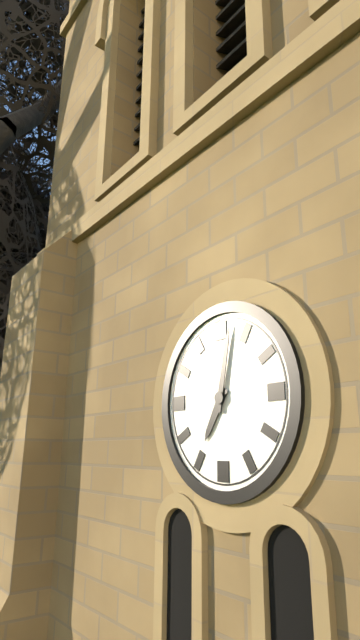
{"hour": 7, "minute": 2}
